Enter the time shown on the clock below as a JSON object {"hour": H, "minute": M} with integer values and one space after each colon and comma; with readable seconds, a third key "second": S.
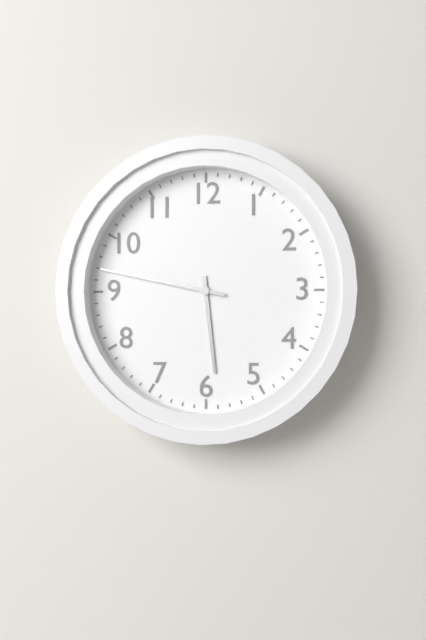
{"hour": 5, "minute": 47}
